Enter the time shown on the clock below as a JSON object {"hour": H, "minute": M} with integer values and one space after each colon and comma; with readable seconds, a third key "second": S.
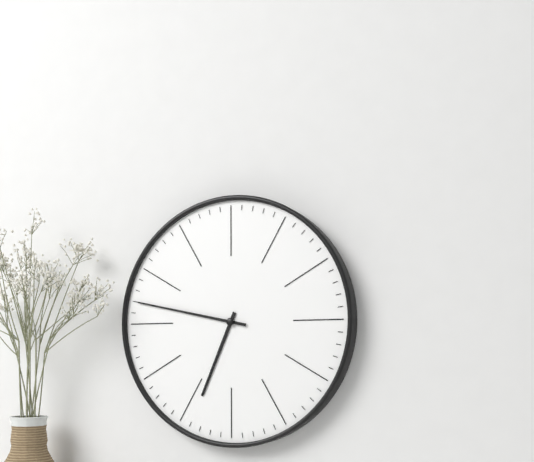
{"hour": 6, "minute": 47}
